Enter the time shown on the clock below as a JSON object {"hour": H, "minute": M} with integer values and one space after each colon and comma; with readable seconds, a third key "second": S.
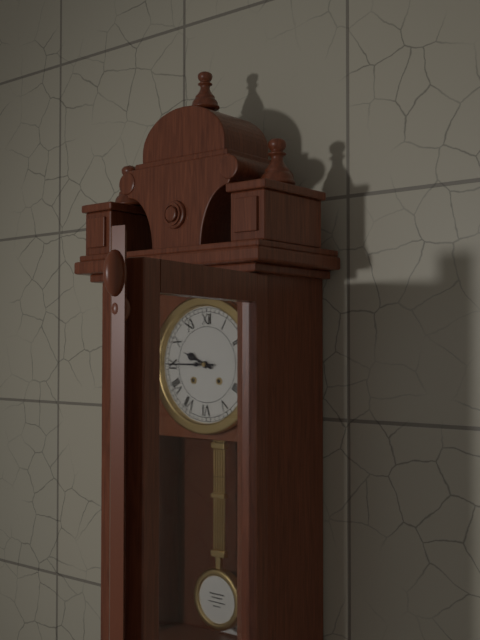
{"hour": 9, "minute": 45}
